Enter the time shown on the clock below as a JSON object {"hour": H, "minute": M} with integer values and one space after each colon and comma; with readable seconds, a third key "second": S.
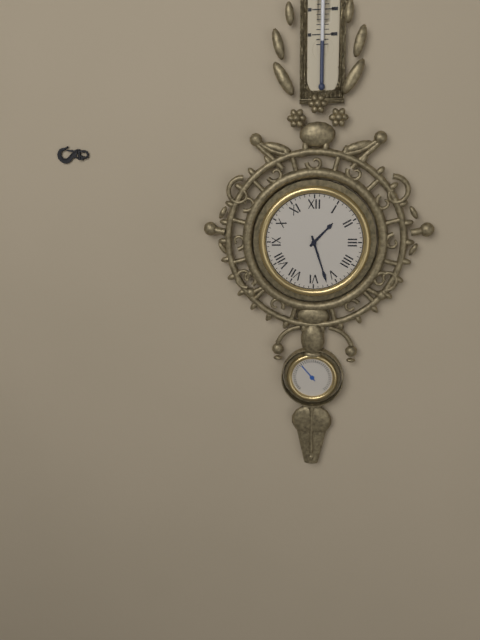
{"hour": 1, "minute": 27}
